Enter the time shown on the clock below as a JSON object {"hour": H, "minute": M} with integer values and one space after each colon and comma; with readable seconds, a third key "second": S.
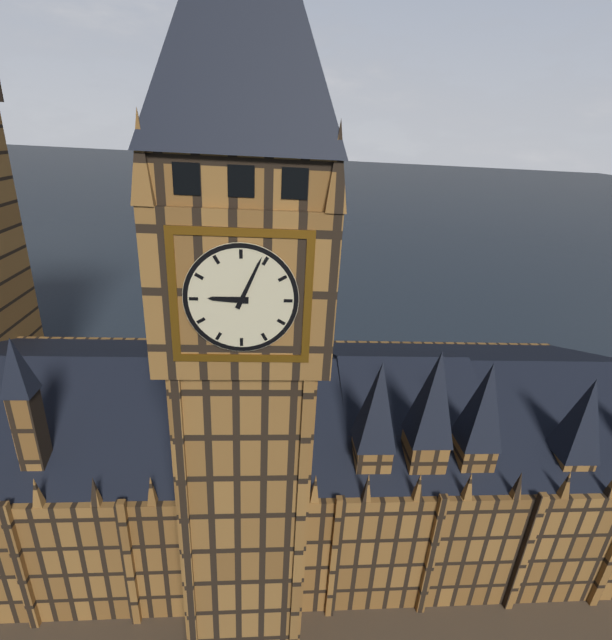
{"hour": 9, "minute": 4}
